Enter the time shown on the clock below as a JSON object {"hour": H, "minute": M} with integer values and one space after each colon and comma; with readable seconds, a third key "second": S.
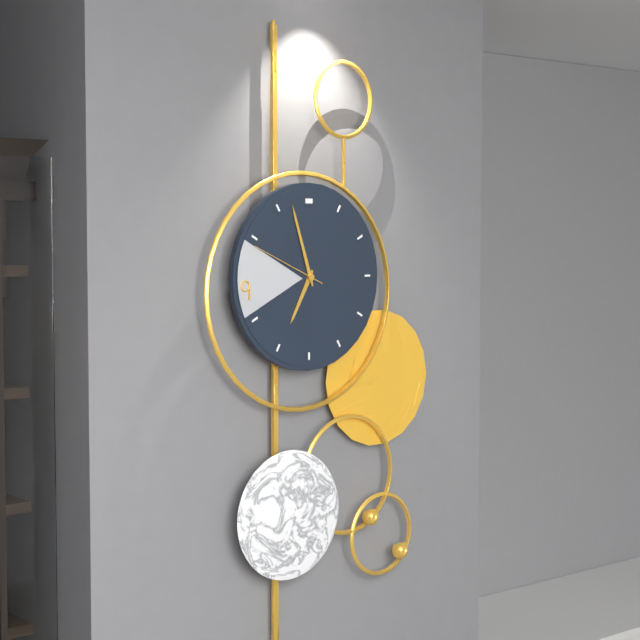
{"hour": 6, "minute": 57, "second": 49}
